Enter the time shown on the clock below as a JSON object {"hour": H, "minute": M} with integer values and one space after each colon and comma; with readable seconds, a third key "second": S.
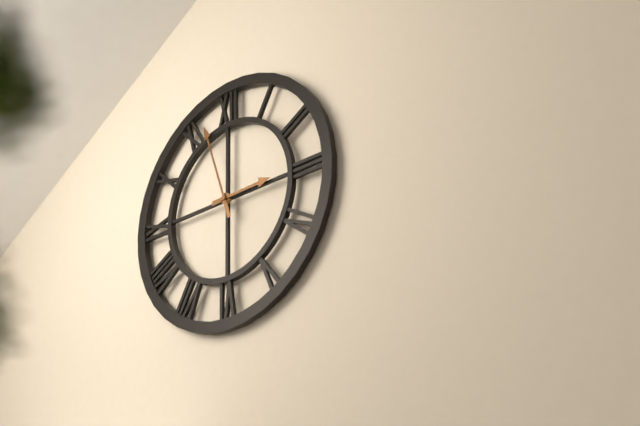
{"hour": 2, "minute": 57}
